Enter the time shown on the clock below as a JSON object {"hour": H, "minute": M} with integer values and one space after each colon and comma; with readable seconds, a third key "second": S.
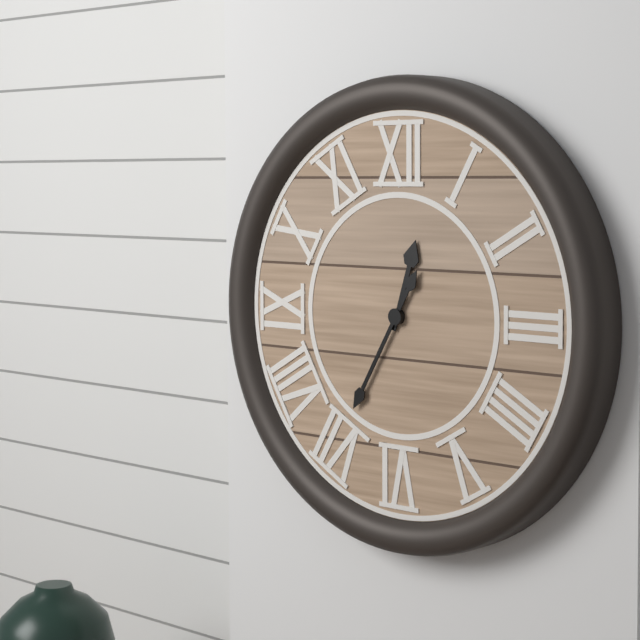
{"hour": 12, "minute": 35}
